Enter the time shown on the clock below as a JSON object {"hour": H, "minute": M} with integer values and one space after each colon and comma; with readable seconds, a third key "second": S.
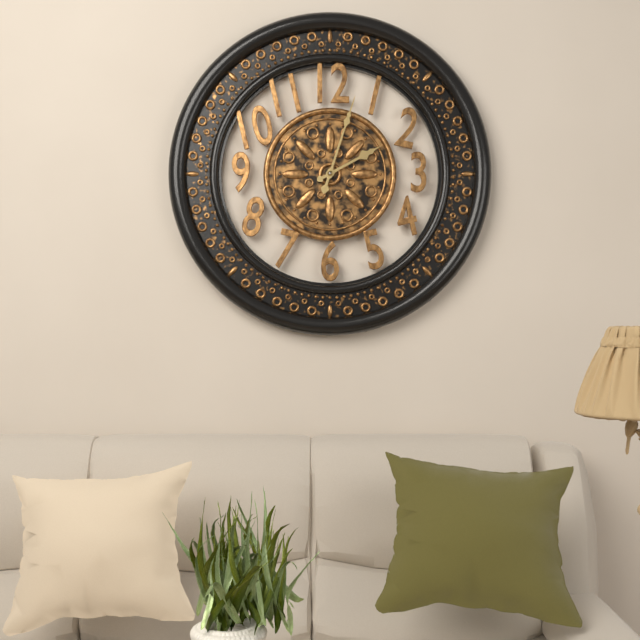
{"hour": 2, "minute": 3}
